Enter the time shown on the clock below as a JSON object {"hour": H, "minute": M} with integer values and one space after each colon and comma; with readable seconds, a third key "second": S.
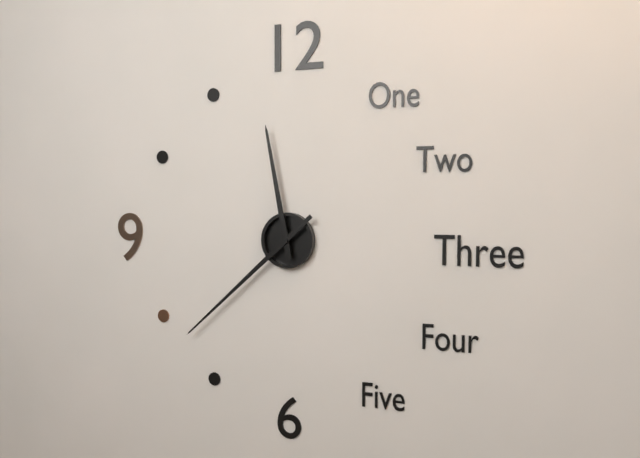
{"hour": 11, "minute": 38}
